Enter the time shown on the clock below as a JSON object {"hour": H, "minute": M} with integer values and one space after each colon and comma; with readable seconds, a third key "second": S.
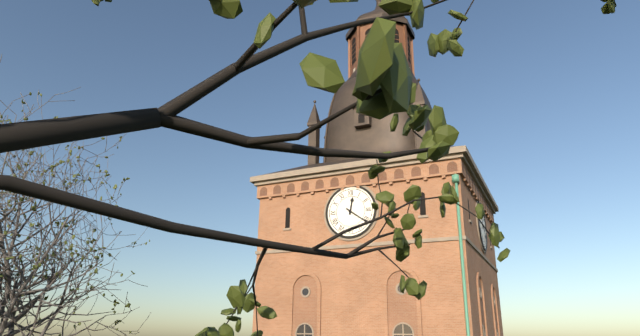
{"hour": 12, "minute": 21}
